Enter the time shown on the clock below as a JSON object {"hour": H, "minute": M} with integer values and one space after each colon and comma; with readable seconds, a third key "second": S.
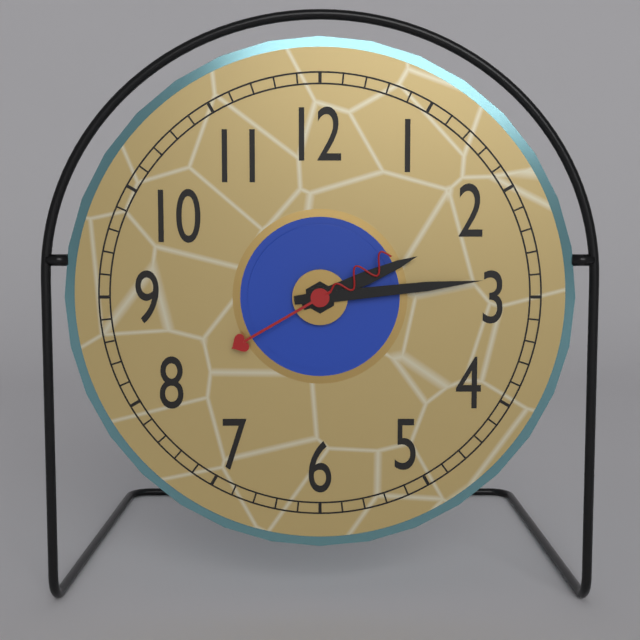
{"hour": 2, "minute": 14, "second": 40}
